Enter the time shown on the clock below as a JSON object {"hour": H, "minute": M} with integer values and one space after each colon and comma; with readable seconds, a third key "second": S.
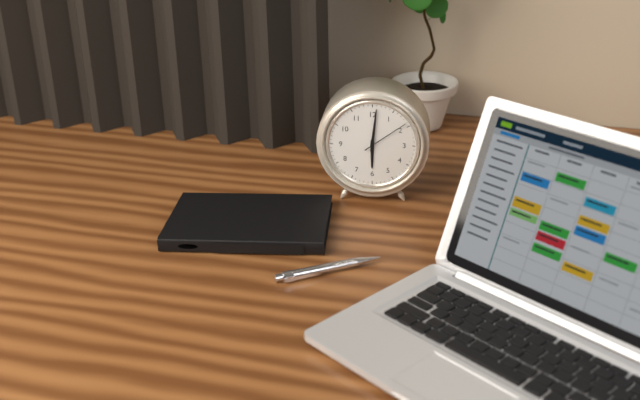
{"hour": 6, "minute": 1}
